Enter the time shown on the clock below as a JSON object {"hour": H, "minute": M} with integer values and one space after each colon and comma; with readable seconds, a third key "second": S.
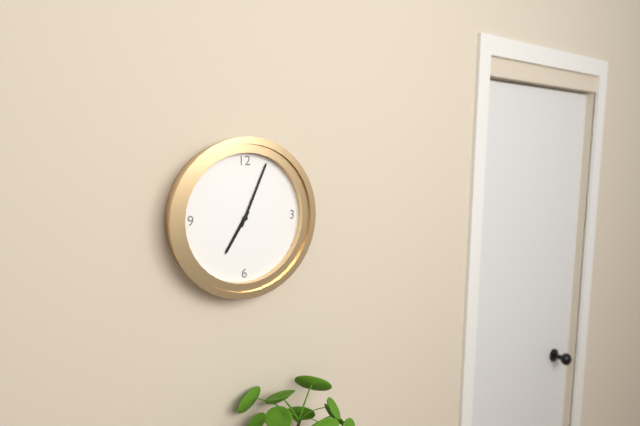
{"hour": 7, "minute": 4}
